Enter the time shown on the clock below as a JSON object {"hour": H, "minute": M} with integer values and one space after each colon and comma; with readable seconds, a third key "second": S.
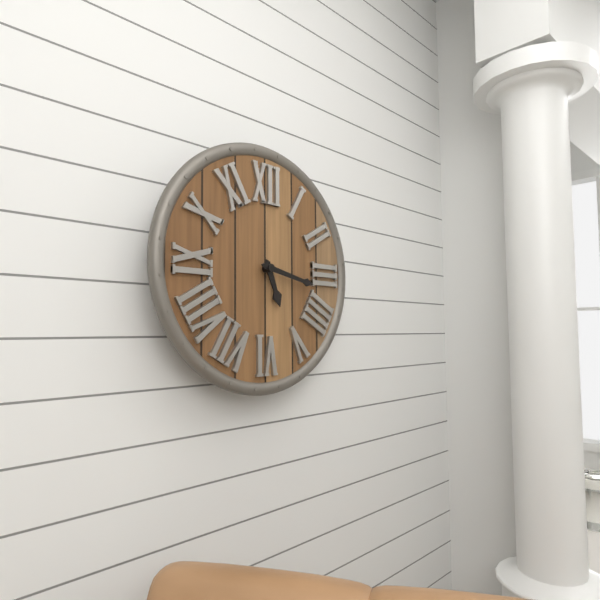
{"hour": 5, "minute": 17}
